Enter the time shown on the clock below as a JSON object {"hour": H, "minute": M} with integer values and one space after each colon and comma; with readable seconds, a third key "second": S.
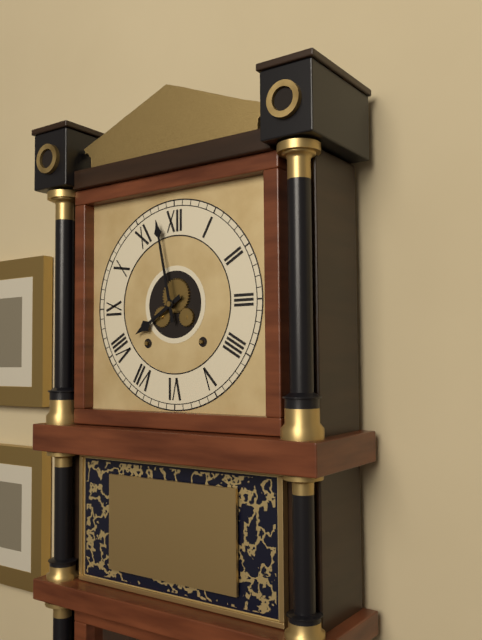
{"hour": 7, "minute": 58}
